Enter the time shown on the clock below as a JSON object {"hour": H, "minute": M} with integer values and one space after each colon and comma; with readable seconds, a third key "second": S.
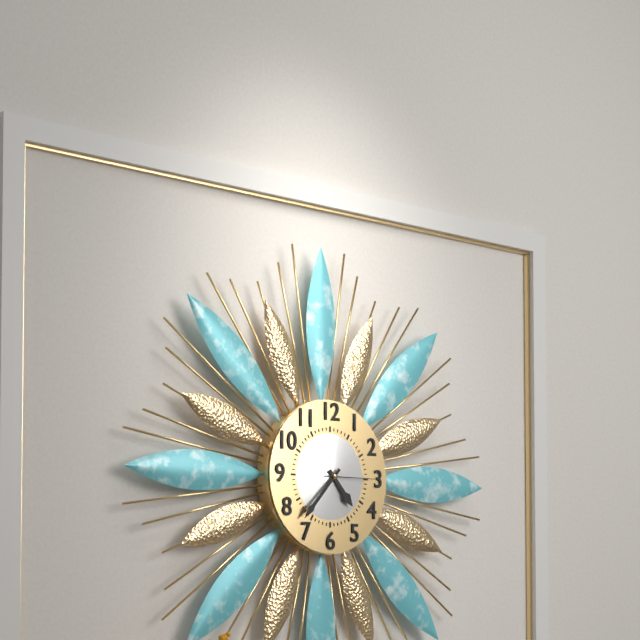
{"hour": 4, "minute": 37, "second": 15}
